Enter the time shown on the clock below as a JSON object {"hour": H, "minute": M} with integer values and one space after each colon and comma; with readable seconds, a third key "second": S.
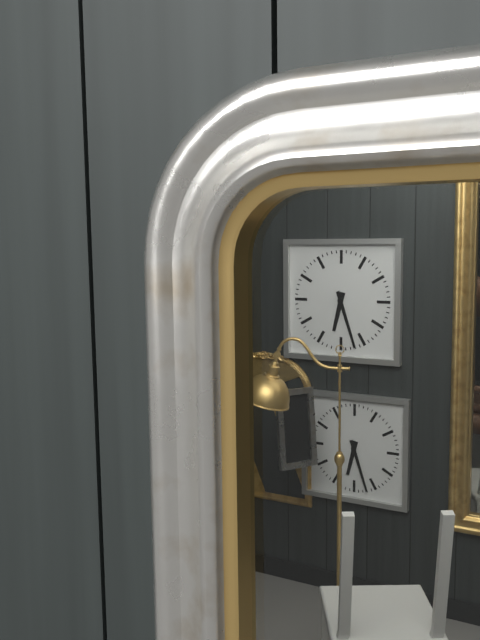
{"hour": 6, "minute": 27}
